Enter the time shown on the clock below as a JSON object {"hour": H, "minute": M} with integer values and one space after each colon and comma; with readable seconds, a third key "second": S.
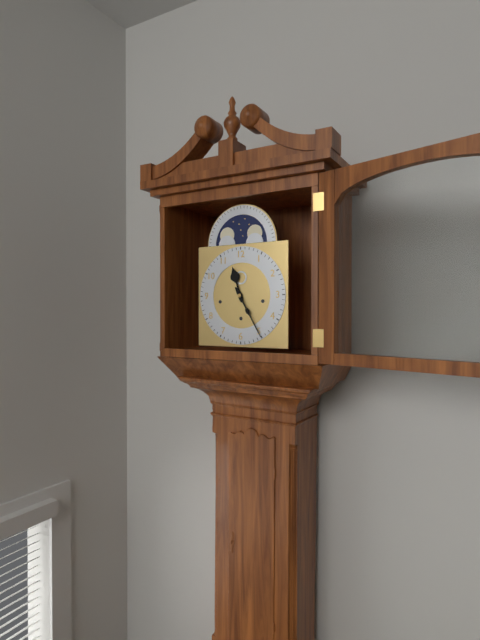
{"hour": 11, "minute": 25}
